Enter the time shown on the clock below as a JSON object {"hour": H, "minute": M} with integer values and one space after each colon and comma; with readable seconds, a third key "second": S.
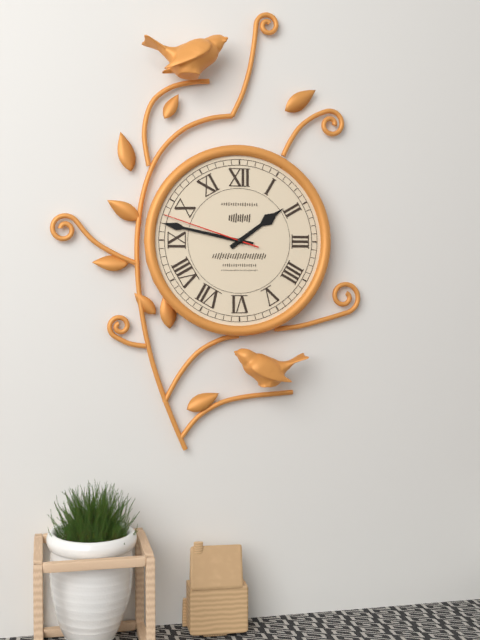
{"hour": 1, "minute": 47, "second": 48}
